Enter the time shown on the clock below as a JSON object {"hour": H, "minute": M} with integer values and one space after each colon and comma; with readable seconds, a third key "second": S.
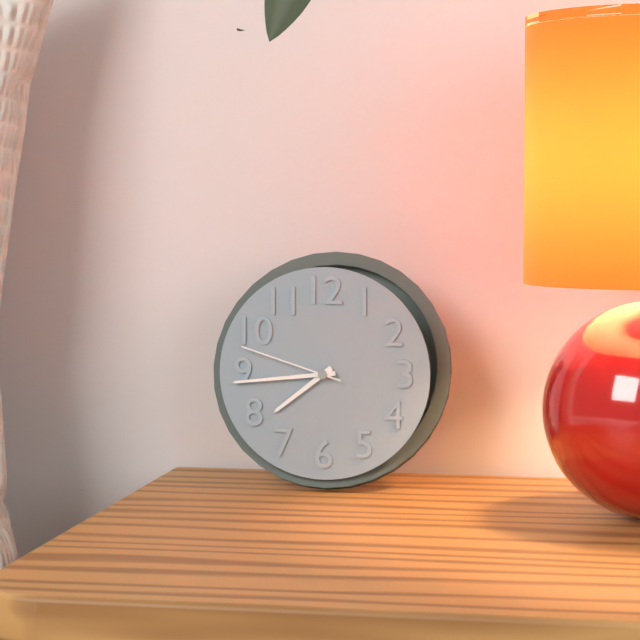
{"hour": 7, "minute": 44, "second": 48}
